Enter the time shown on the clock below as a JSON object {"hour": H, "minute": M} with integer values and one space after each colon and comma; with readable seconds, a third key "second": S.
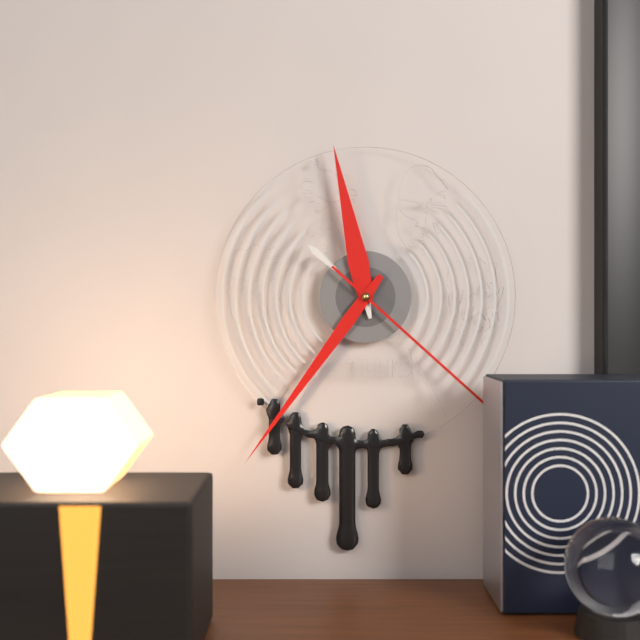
{"hour": 11, "minute": 36}
